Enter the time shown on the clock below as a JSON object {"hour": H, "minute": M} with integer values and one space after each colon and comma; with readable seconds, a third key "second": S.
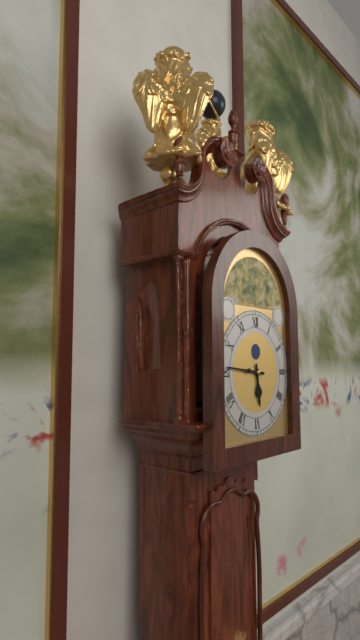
{"hour": 5, "minute": 46}
